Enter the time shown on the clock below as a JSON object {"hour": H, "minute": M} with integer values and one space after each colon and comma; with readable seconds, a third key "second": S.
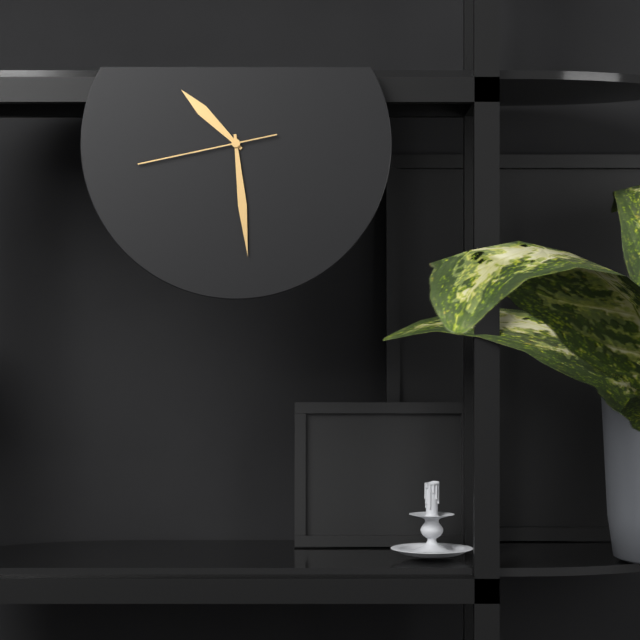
{"hour": 10, "minute": 29, "second": 43}
